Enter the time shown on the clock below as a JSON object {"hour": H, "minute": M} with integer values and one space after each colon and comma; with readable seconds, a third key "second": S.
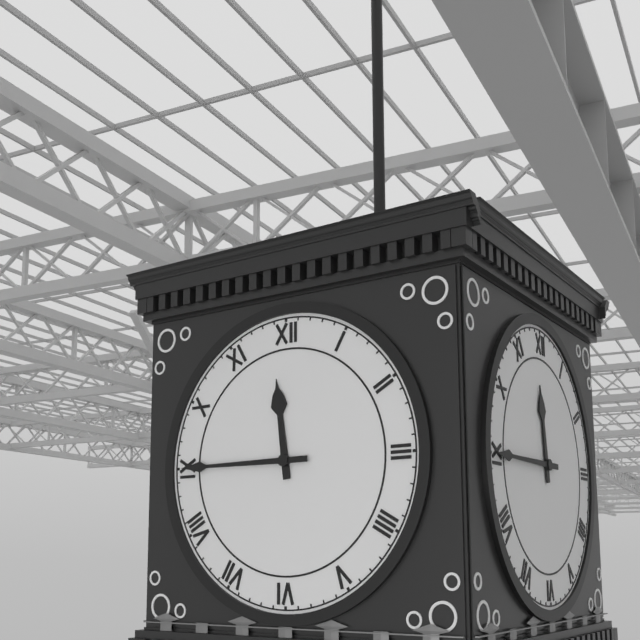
{"hour": 11, "minute": 45}
